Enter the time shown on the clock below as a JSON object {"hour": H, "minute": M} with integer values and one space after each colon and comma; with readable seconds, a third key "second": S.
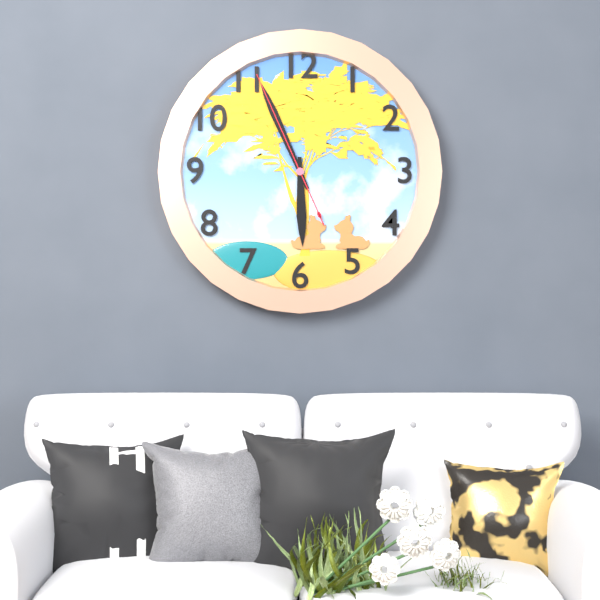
{"hour": 5, "minute": 56, "second": 56}
